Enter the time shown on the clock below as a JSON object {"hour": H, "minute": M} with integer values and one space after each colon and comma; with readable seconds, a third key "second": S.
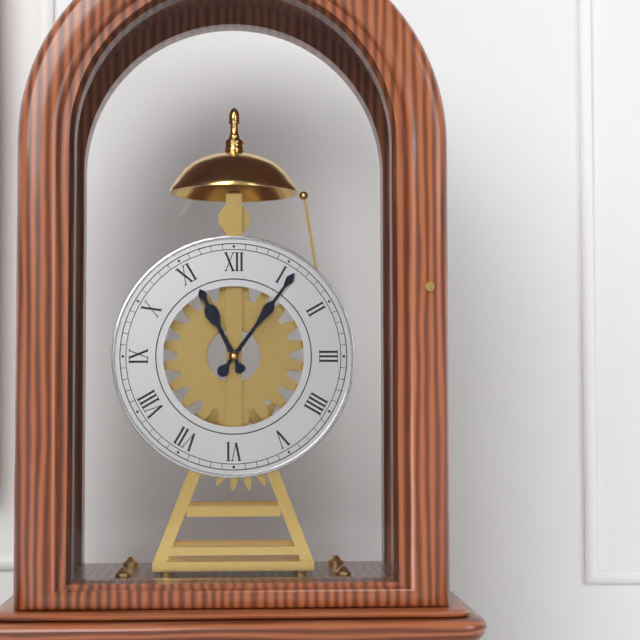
{"hour": 11, "minute": 6}
